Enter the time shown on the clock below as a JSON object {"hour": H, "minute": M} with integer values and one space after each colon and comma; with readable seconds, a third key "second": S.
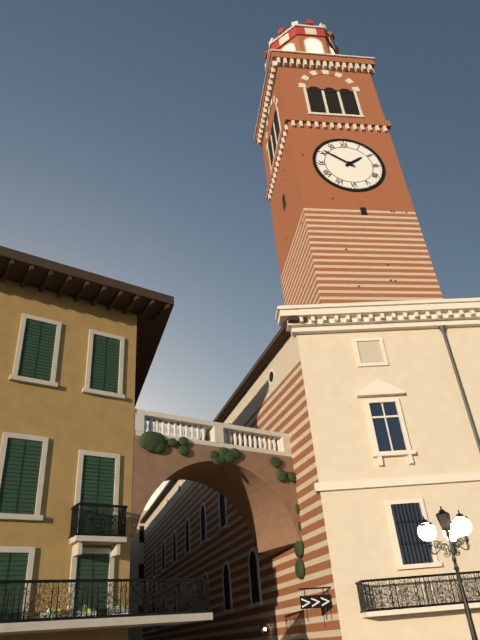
{"hour": 1, "minute": 51}
